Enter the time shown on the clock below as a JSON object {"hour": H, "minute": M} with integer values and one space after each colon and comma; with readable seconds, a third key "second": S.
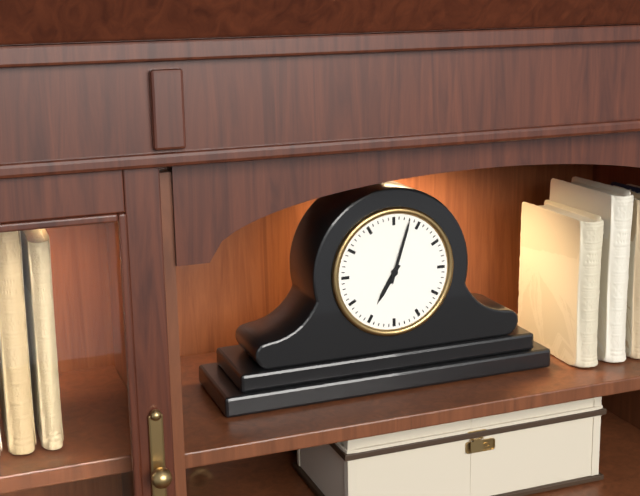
{"hour": 7, "minute": 3}
